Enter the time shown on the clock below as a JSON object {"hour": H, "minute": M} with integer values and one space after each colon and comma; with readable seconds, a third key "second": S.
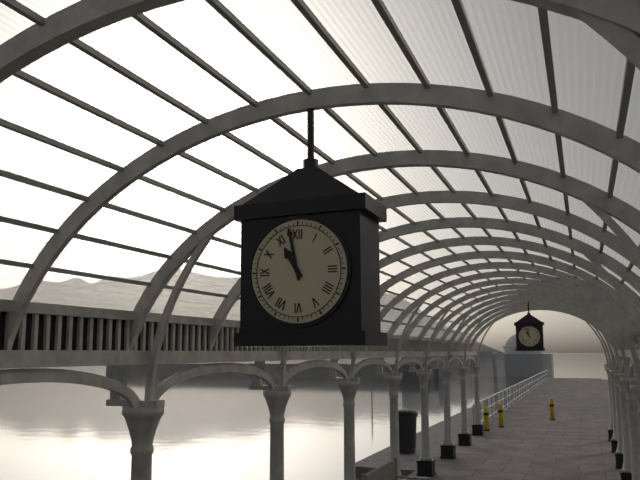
{"hour": 10, "minute": 58}
